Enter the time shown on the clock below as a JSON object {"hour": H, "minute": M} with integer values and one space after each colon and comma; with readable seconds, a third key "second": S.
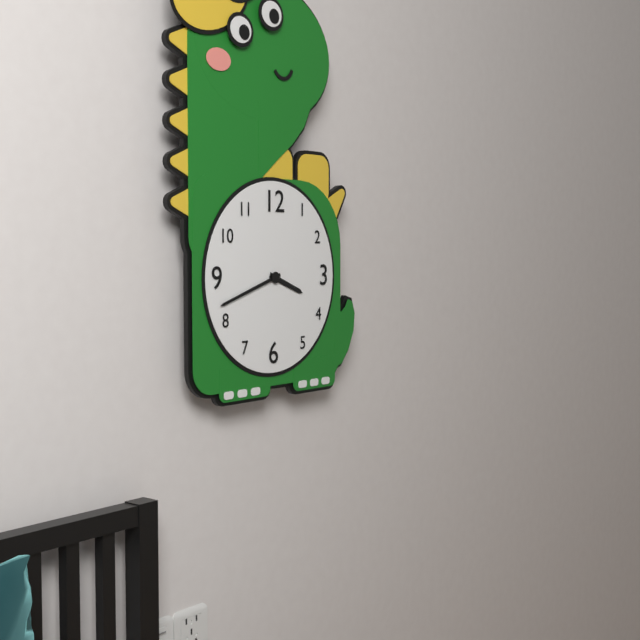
{"hour": 3, "minute": 42}
